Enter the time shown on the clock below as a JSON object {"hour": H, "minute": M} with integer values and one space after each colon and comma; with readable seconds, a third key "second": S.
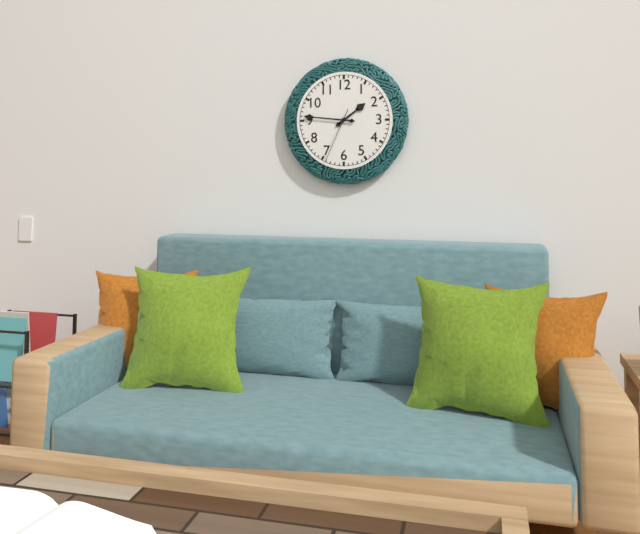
{"hour": 1, "minute": 46, "second": 34}
